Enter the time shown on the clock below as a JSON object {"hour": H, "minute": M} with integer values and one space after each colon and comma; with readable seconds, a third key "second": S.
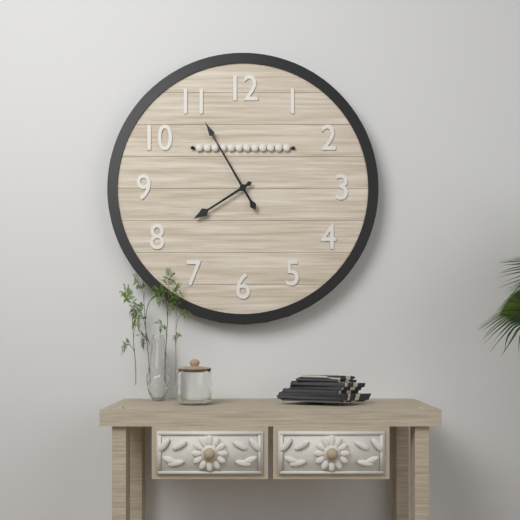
{"hour": 7, "minute": 55}
